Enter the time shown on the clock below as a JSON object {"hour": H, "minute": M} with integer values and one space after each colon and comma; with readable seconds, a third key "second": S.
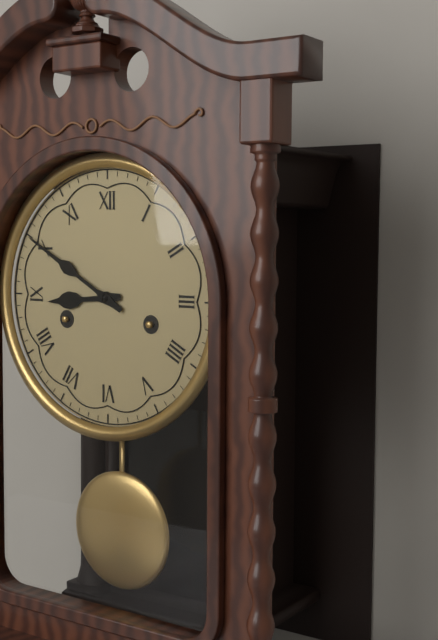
{"hour": 8, "minute": 50}
